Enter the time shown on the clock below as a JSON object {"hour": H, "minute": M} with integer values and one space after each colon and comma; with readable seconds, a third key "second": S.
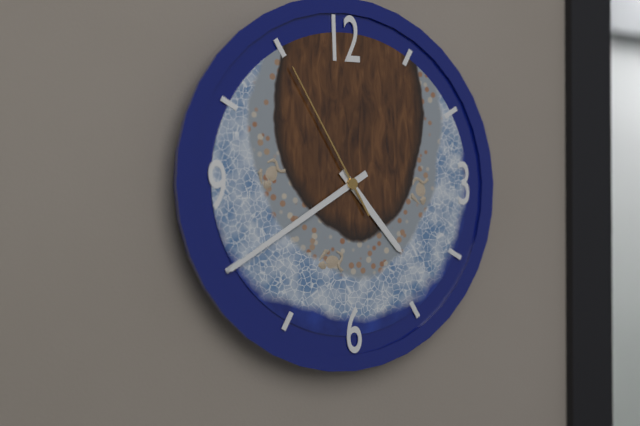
{"hour": 4, "minute": 40, "second": 55}
